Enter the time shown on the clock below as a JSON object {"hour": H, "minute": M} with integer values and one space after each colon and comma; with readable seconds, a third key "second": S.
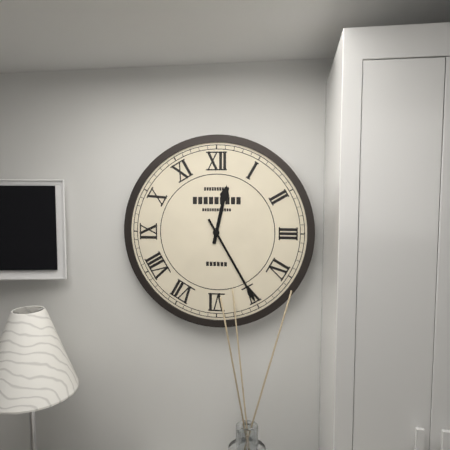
{"hour": 12, "minute": 25}
